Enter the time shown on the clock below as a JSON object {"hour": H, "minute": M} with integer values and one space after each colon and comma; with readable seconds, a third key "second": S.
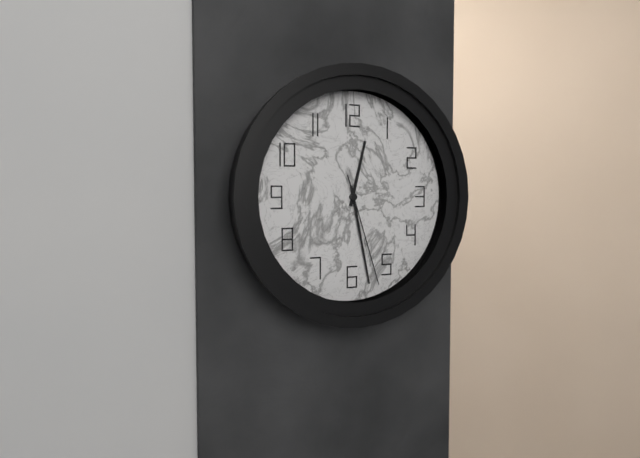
{"hour": 12, "minute": 28, "second": 27}
